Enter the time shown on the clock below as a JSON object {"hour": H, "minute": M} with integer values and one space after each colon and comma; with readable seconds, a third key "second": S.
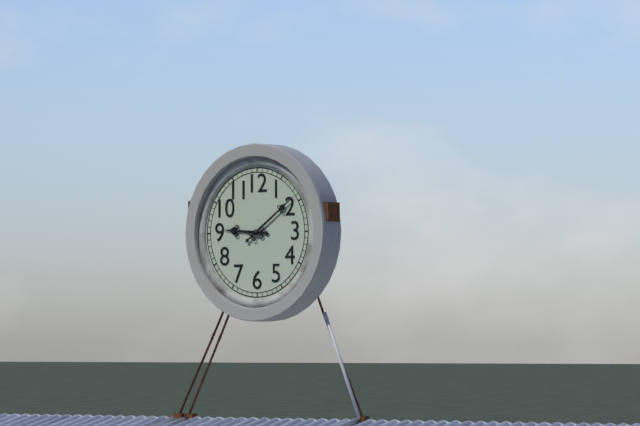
{"hour": 9, "minute": 9}
